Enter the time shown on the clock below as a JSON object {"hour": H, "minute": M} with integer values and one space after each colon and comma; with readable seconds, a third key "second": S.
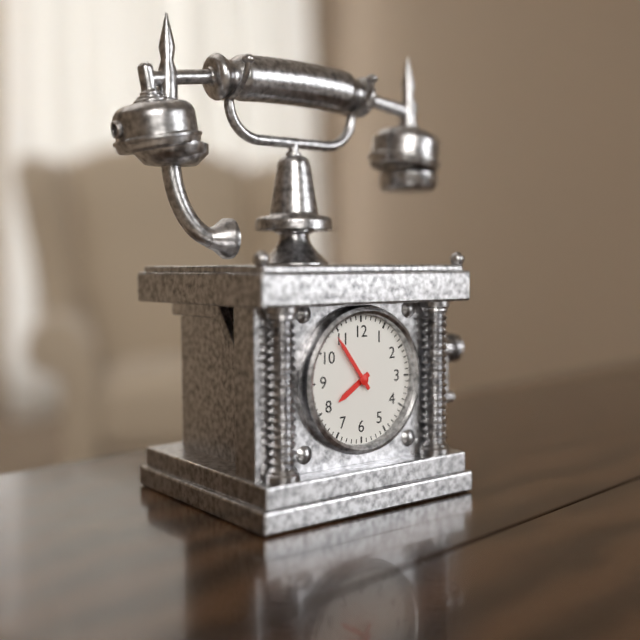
{"hour": 7, "minute": 54}
